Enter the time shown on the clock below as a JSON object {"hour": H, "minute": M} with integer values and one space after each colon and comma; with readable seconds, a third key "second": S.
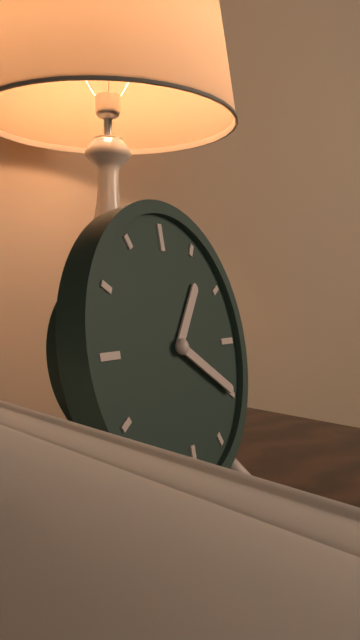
{"hour": 1, "minute": 20}
